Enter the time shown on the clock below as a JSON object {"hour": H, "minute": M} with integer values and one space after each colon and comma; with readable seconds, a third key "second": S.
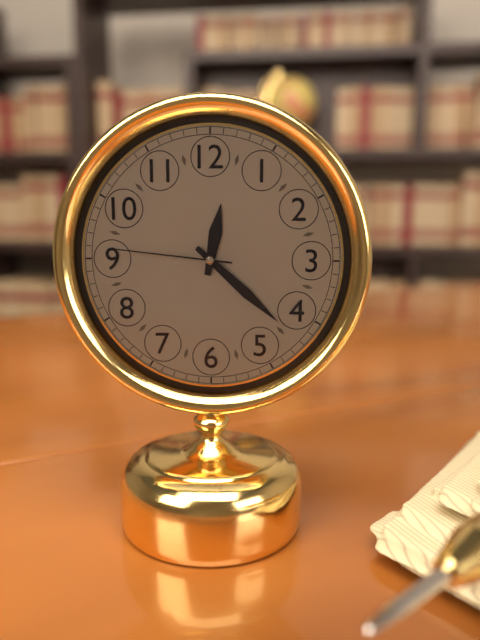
{"hour": 12, "minute": 22, "second": 46}
